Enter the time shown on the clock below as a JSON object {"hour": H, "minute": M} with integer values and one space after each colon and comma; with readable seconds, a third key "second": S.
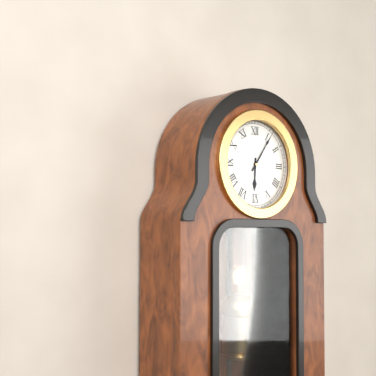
{"hour": 6, "minute": 6}
